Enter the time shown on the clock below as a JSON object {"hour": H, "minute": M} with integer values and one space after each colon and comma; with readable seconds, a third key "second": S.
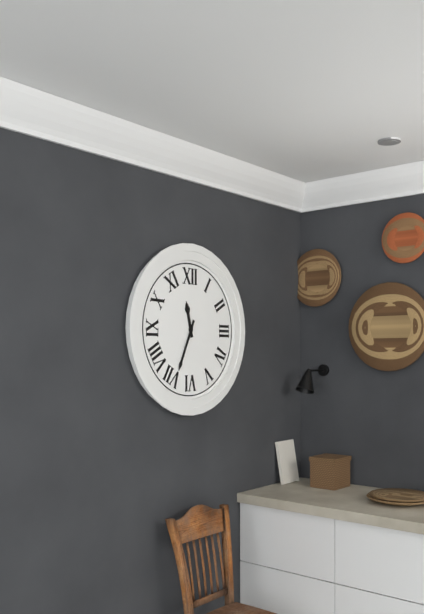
{"hour": 11, "minute": 34}
